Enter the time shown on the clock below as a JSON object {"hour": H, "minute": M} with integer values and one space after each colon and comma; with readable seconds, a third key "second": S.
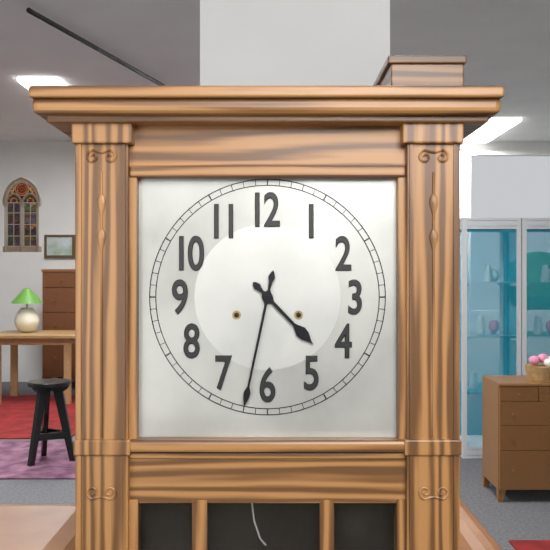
{"hour": 4, "minute": 32}
